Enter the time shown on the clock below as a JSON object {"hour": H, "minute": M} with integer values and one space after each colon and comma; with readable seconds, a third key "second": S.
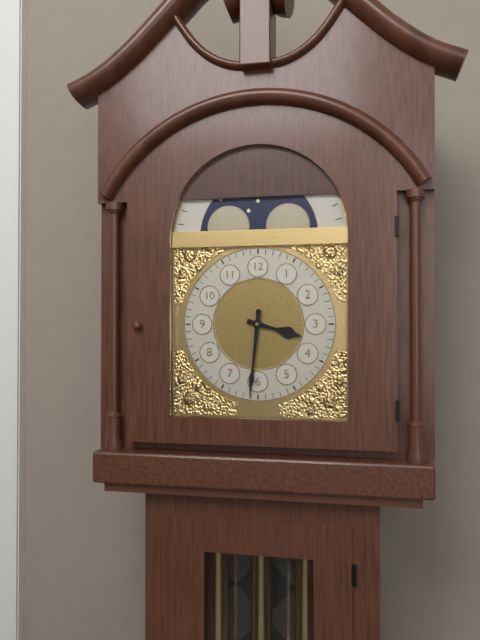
{"hour": 3, "minute": 31}
